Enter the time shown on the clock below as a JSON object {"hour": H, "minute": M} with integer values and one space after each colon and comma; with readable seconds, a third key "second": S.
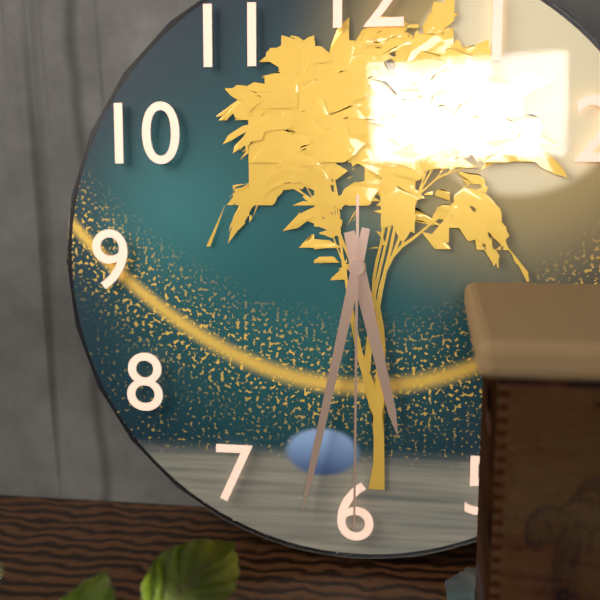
{"hour": 5, "minute": 32, "second": 30}
